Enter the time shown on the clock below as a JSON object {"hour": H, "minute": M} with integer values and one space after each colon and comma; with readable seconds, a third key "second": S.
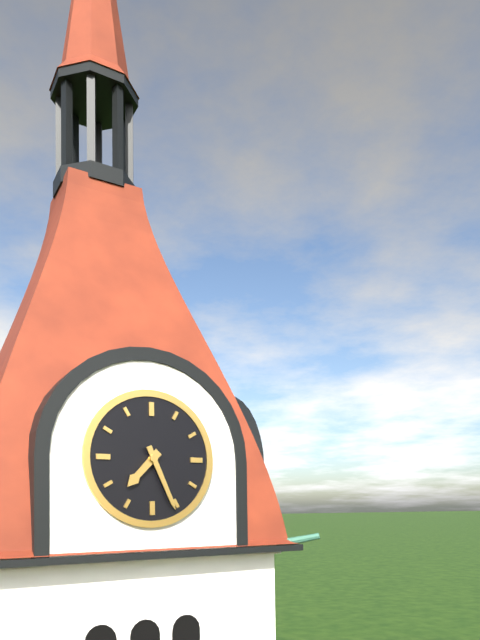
{"hour": 7, "minute": 26}
